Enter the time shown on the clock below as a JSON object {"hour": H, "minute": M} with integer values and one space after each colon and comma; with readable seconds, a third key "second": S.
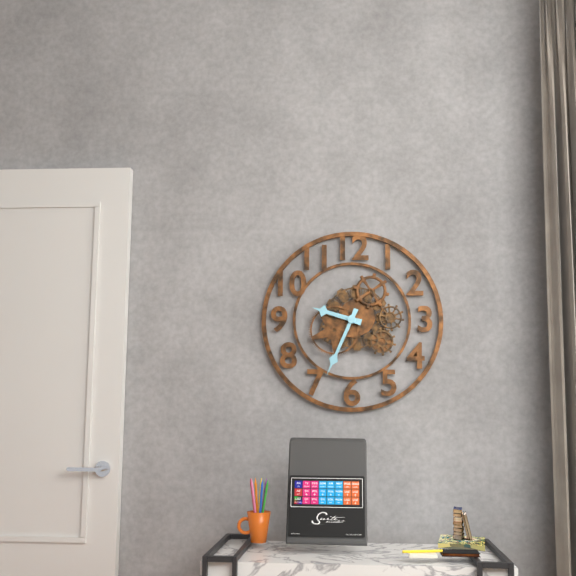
{"hour": 9, "minute": 34}
